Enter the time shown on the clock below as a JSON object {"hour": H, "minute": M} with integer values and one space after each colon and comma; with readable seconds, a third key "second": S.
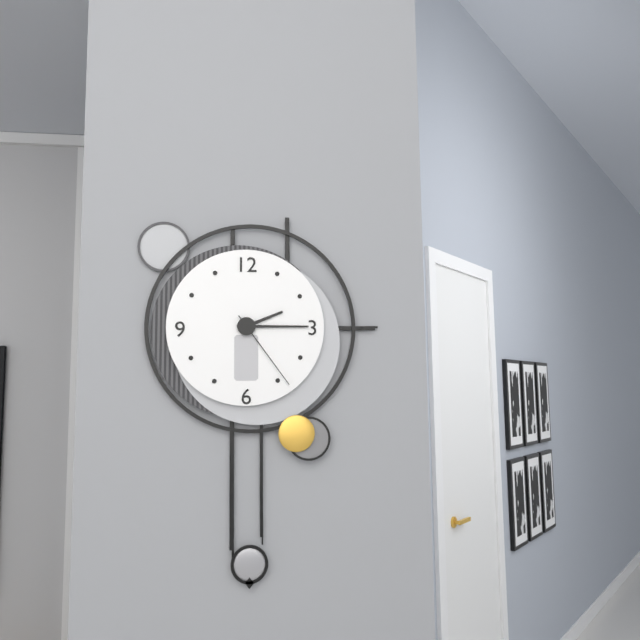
{"hour": 2, "minute": 15, "second": 24}
